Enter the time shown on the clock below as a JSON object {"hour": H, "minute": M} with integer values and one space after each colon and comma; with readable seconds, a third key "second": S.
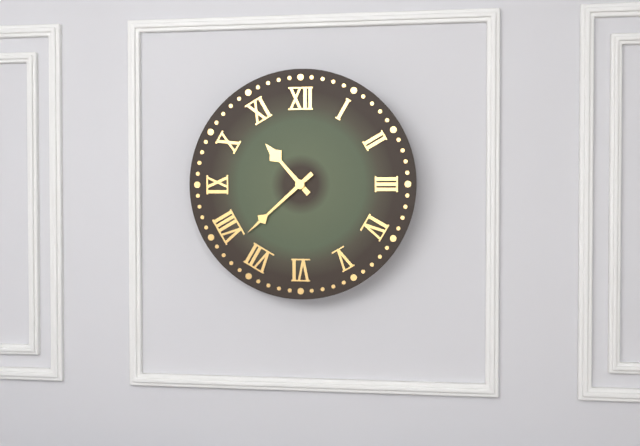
{"hour": 10, "minute": 38}
